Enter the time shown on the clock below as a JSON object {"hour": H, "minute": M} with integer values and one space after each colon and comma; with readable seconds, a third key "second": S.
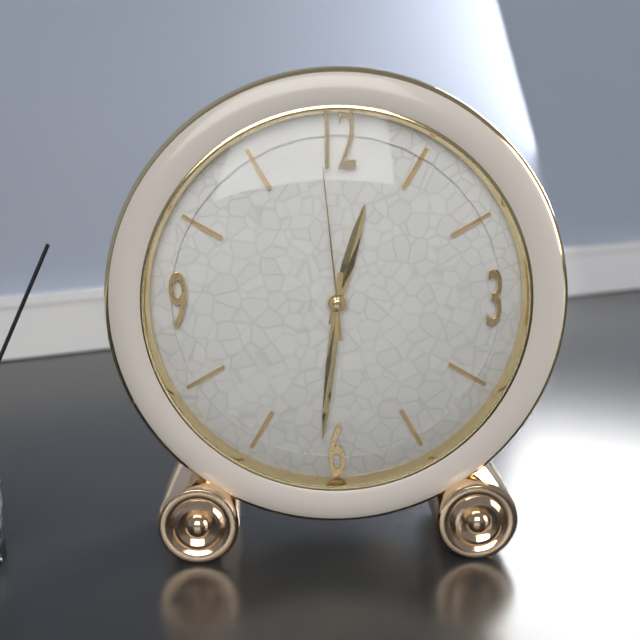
{"hour": 12, "minute": 31, "second": 59}
